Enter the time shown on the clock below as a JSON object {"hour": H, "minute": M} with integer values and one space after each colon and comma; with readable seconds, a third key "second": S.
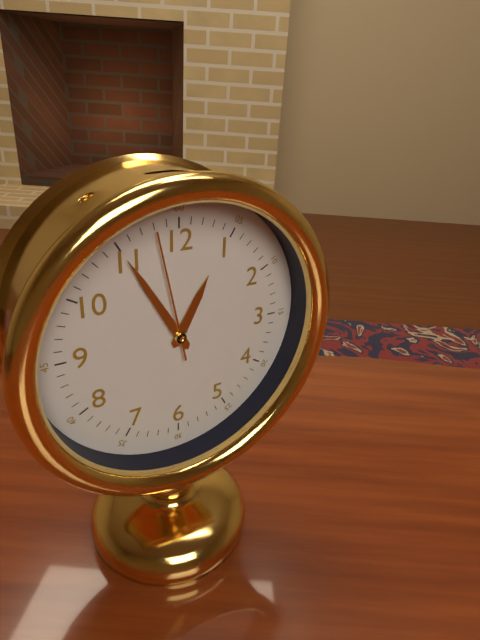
{"hour": 12, "minute": 55, "second": 58}
